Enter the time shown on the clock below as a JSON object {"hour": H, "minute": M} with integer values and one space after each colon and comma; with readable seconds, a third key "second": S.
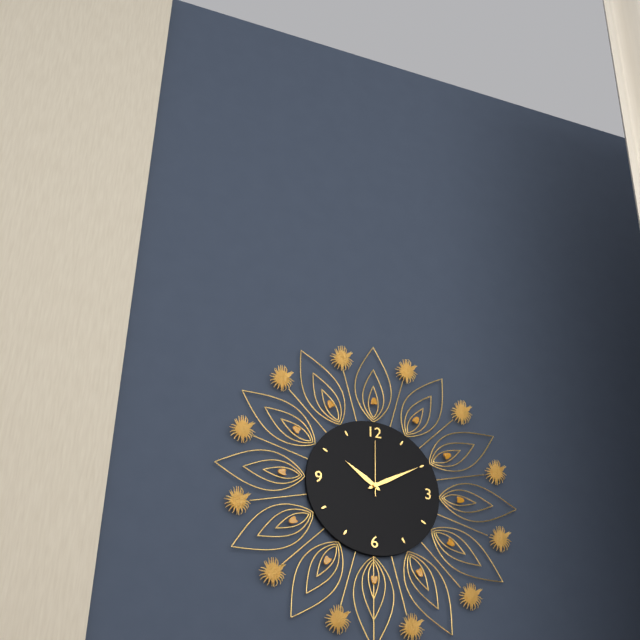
{"hour": 10, "minute": 10, "second": 0}
